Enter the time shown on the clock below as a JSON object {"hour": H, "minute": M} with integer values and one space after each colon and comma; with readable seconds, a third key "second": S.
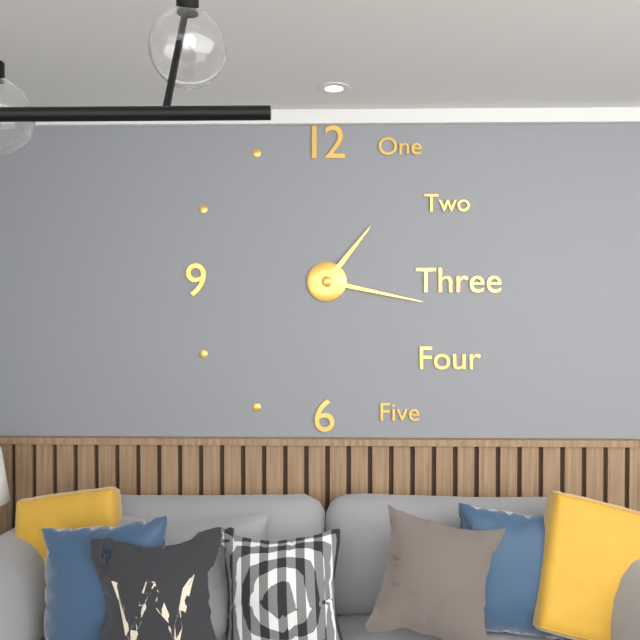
{"hour": 1, "minute": 17}
